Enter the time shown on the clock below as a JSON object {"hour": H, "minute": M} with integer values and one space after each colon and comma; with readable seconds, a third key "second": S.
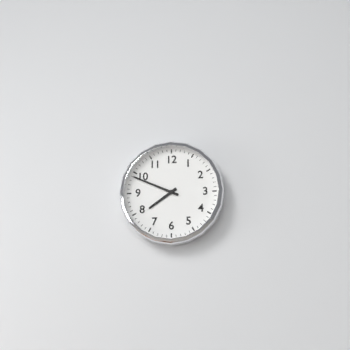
{"hour": 7, "minute": 49}
